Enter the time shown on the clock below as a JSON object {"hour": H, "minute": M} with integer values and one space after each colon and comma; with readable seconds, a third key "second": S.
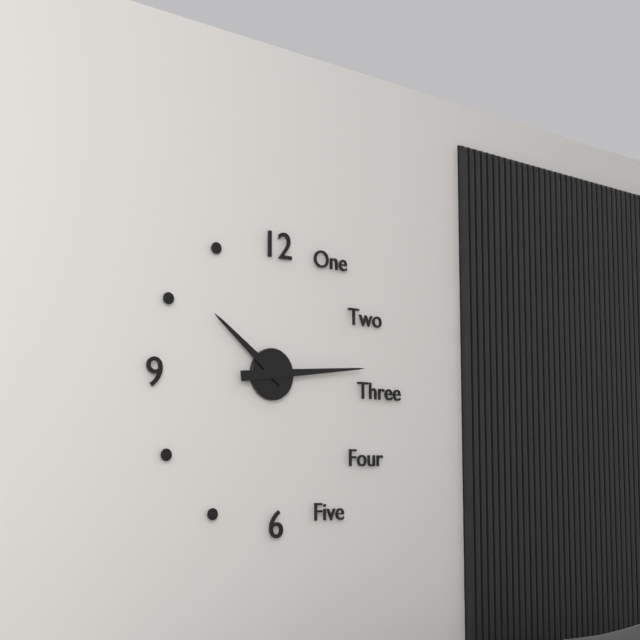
{"hour": 10, "minute": 14}
